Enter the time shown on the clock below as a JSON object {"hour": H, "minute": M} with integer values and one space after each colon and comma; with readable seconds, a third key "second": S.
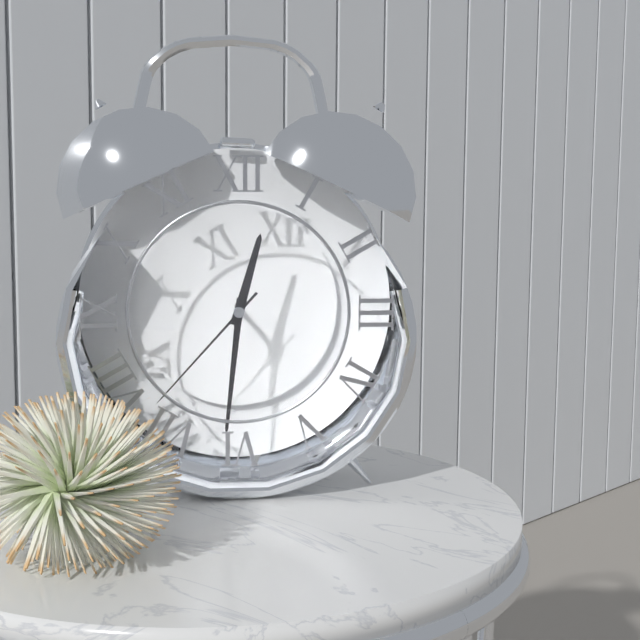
{"hour": 12, "minute": 31, "second": 37}
